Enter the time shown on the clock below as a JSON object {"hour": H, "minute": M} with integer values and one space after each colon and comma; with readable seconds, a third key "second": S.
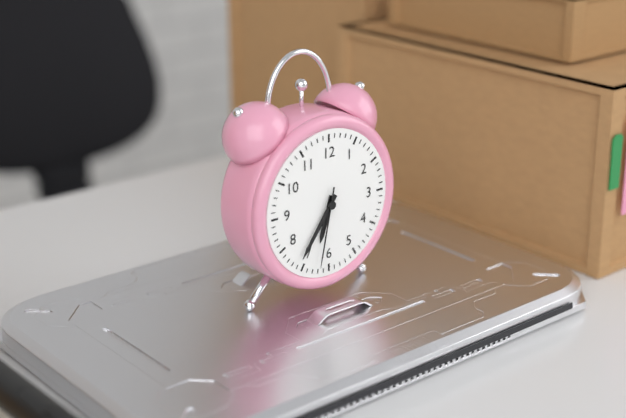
{"hour": 6, "minute": 36, "second": 32}
